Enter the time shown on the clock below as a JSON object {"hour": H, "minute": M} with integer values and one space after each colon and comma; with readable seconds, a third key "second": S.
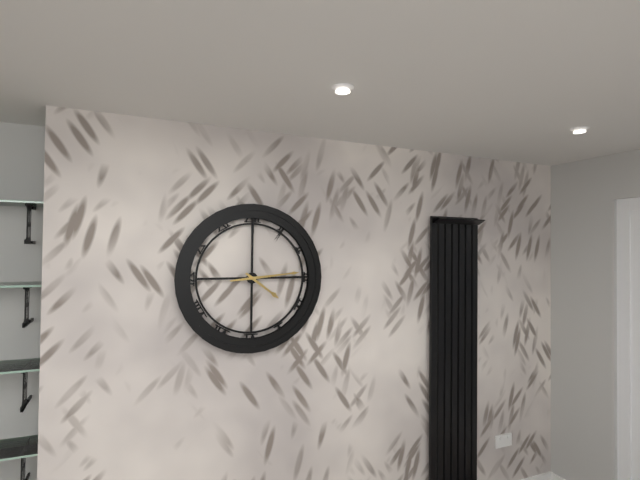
{"hour": 4, "minute": 14}
